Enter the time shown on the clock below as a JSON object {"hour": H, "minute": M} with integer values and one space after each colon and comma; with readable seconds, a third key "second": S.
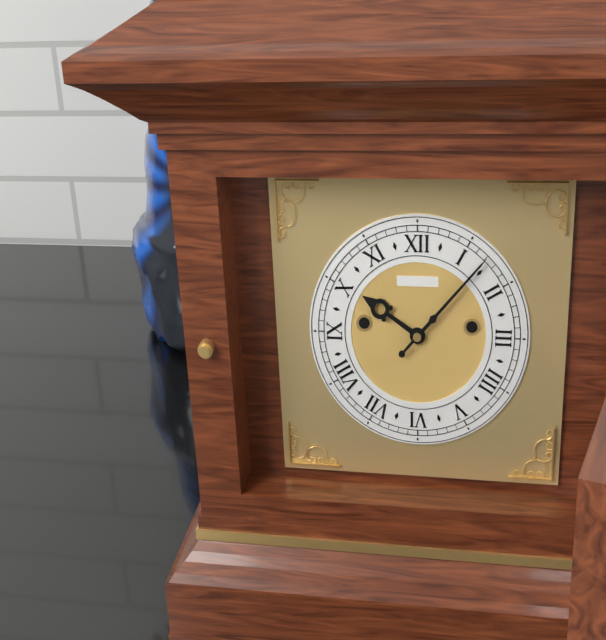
{"hour": 10, "minute": 7}
